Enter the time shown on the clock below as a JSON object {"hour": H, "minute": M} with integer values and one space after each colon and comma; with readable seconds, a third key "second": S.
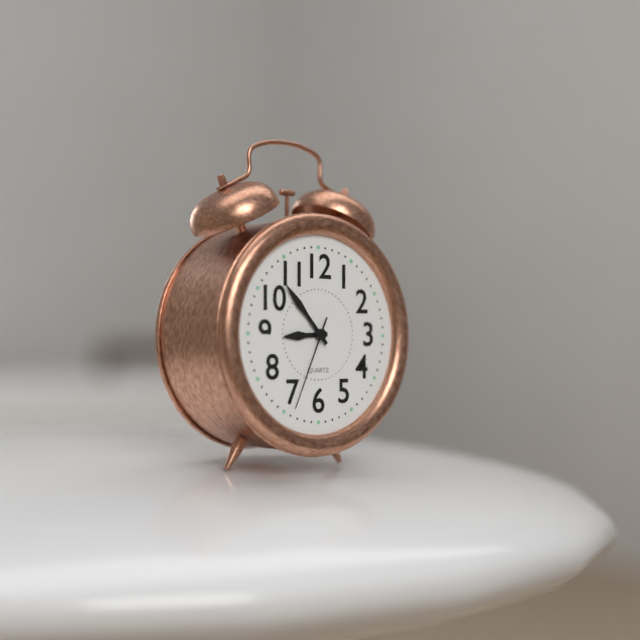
{"hour": 8, "minute": 53, "second": 34}
